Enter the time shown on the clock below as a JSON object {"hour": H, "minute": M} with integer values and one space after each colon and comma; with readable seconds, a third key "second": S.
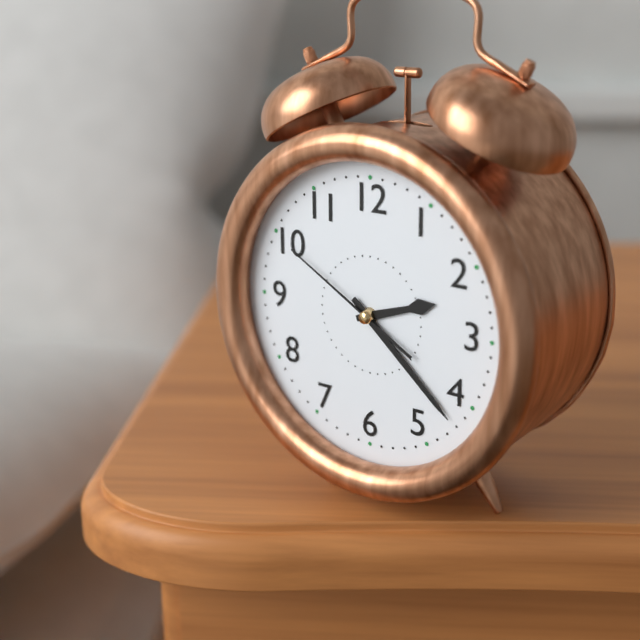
{"hour": 2, "minute": 22, "second": 50}
